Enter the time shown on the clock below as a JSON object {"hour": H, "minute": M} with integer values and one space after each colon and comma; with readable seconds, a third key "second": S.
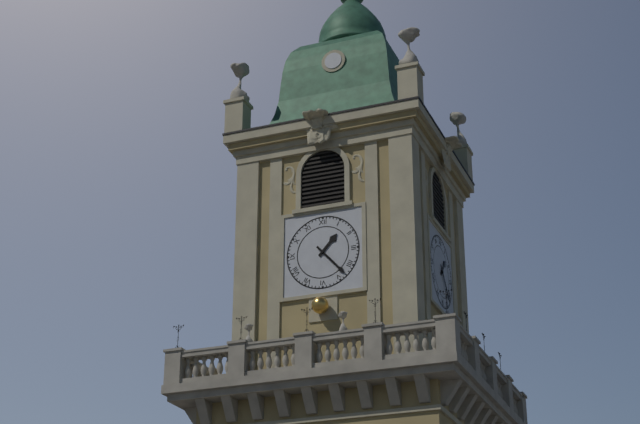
{"hour": 1, "minute": 23}
